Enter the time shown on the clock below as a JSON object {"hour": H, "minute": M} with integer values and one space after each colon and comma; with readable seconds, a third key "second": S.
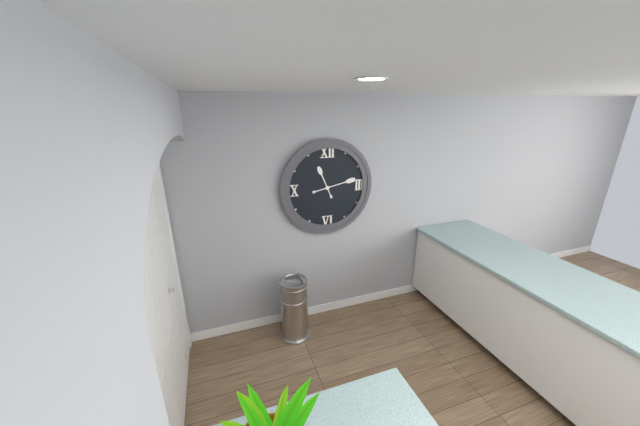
{"hour": 11, "minute": 13}
